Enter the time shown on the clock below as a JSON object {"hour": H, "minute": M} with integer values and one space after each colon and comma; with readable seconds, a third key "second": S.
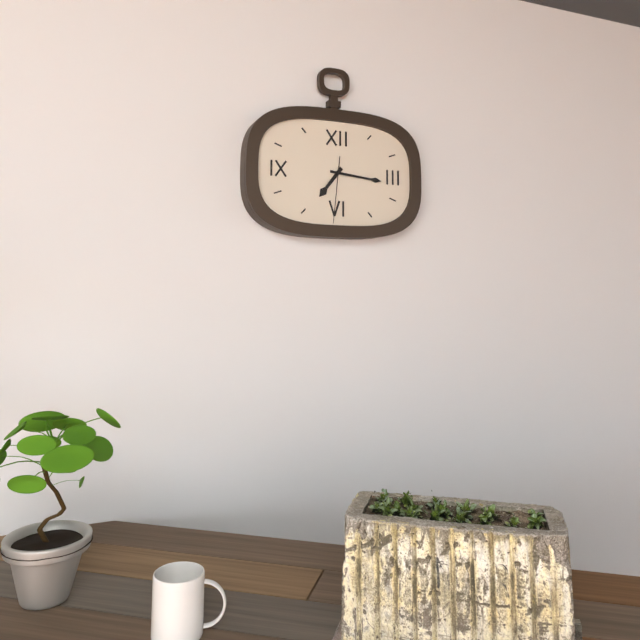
{"hour": 7, "minute": 16, "second": 31}
